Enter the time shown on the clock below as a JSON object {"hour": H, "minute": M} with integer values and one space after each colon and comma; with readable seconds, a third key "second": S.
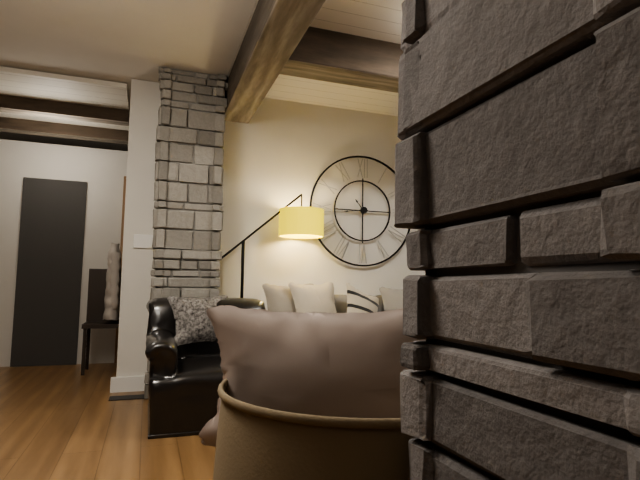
{"hour": 10, "minute": 44}
